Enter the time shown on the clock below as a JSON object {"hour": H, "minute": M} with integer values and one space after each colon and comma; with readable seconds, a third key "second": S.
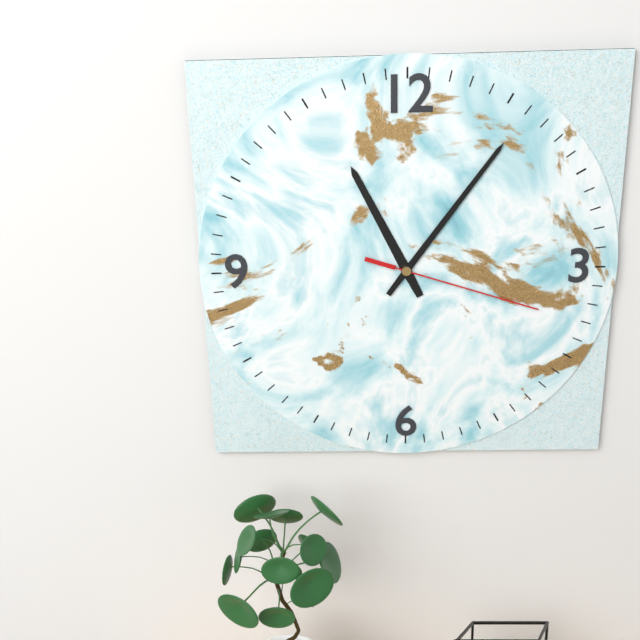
{"hour": 11, "minute": 6, "second": 18}
